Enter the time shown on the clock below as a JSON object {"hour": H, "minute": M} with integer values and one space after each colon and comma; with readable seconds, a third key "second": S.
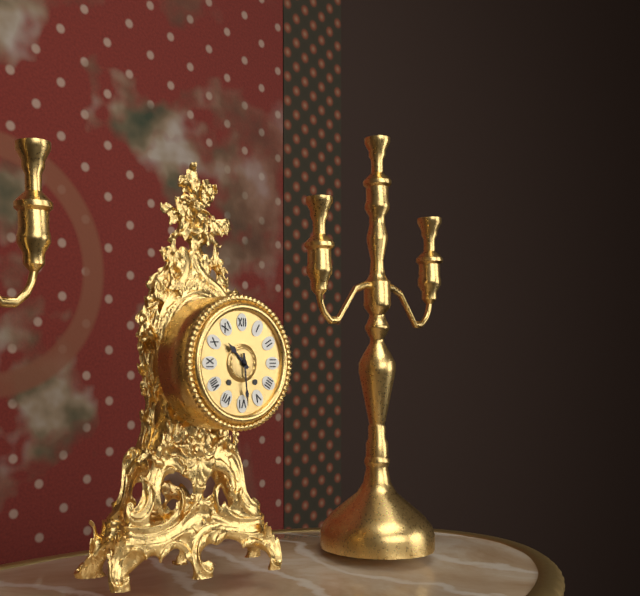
{"hour": 10, "minute": 29}
